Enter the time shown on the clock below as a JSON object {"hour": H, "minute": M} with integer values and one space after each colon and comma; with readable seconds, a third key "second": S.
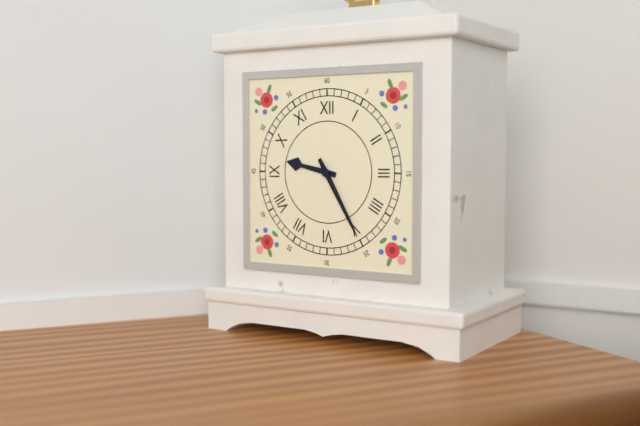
{"hour": 9, "minute": 25}
